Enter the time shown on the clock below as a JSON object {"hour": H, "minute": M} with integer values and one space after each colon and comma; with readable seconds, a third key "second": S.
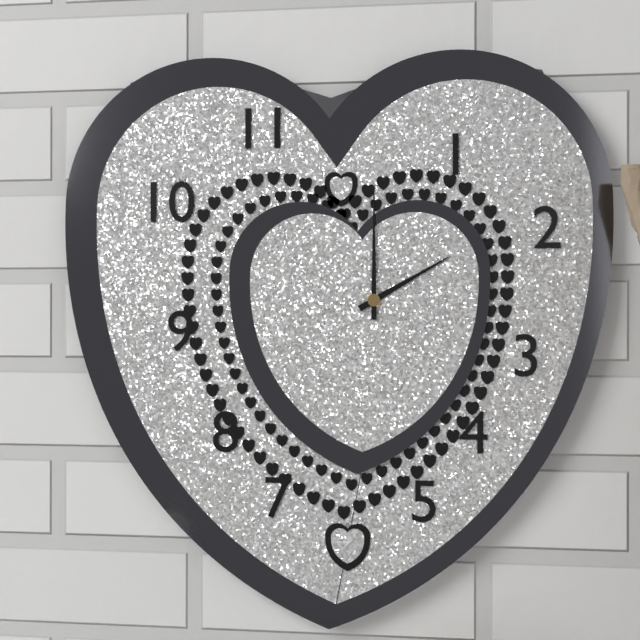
{"hour": 2, "minute": 0}
